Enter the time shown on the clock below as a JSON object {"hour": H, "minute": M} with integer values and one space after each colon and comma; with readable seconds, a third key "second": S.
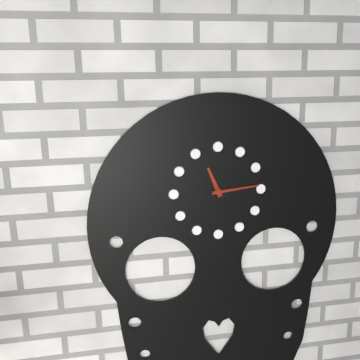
{"hour": 11, "minute": 14}
